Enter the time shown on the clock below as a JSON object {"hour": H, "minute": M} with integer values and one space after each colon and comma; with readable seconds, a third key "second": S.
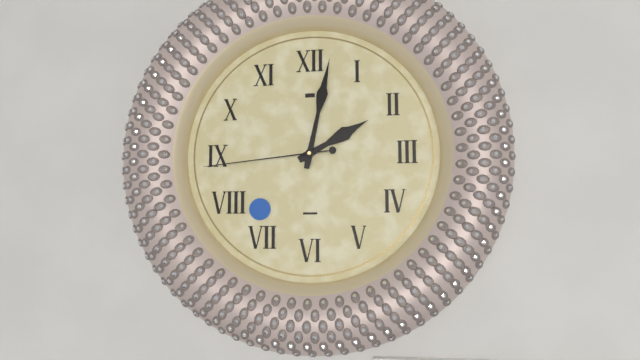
{"hour": 2, "minute": 2, "second": 44}
